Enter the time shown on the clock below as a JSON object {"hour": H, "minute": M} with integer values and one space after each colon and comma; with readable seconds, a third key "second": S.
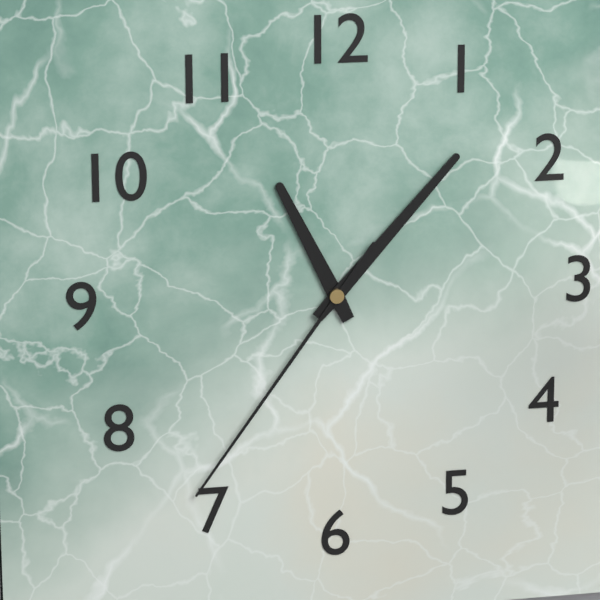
{"hour": 11, "minute": 7, "second": 36}
